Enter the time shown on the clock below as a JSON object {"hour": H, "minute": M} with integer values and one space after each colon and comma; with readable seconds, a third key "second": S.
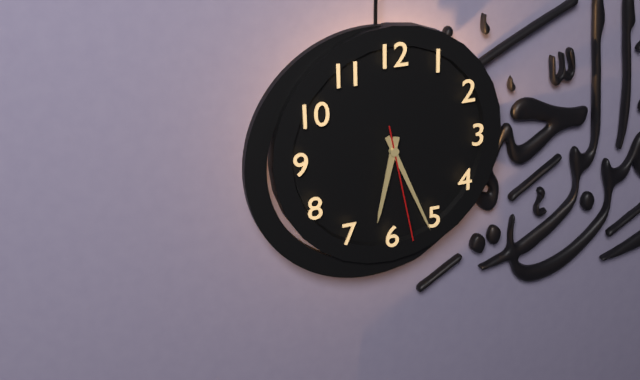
{"hour": 6, "minute": 26, "second": 28}
